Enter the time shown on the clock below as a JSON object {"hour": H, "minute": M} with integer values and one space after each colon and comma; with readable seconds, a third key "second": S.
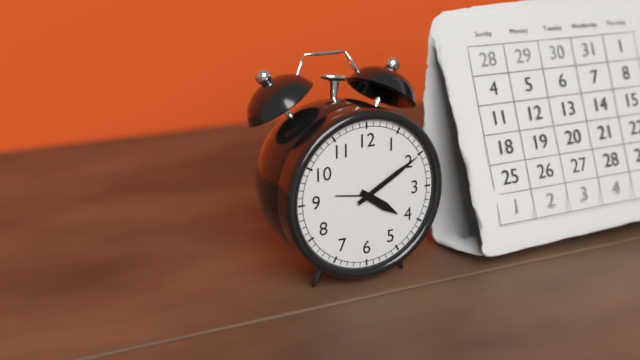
{"hour": 4, "minute": 10}
